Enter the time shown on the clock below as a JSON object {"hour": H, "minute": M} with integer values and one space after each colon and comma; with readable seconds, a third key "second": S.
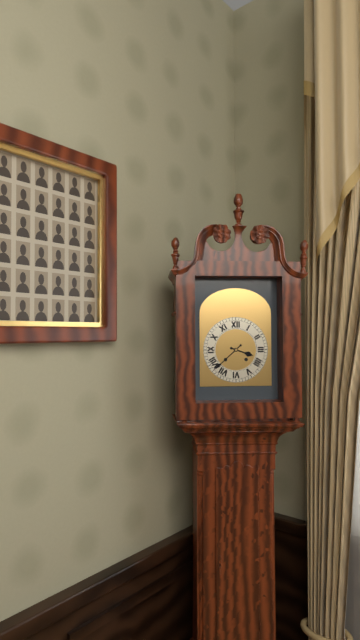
{"hour": 3, "minute": 38}
